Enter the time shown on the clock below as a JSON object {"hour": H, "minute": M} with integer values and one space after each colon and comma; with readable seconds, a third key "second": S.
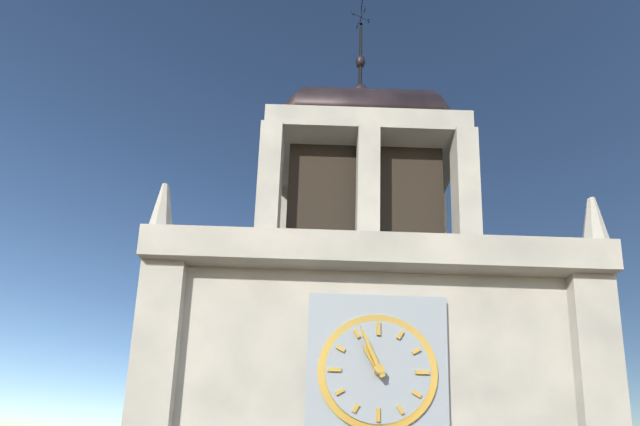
{"hour": 10, "minute": 56}
